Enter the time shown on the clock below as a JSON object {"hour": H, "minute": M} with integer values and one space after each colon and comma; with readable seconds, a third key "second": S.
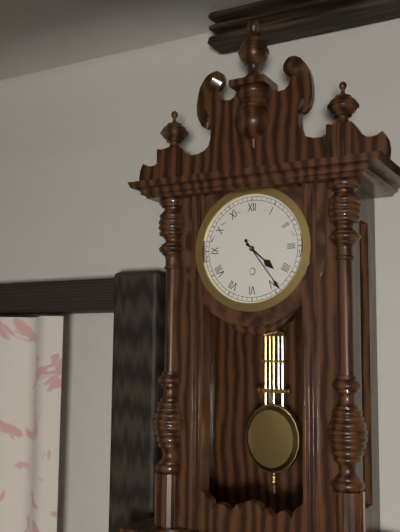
{"hour": 4, "minute": 24}
